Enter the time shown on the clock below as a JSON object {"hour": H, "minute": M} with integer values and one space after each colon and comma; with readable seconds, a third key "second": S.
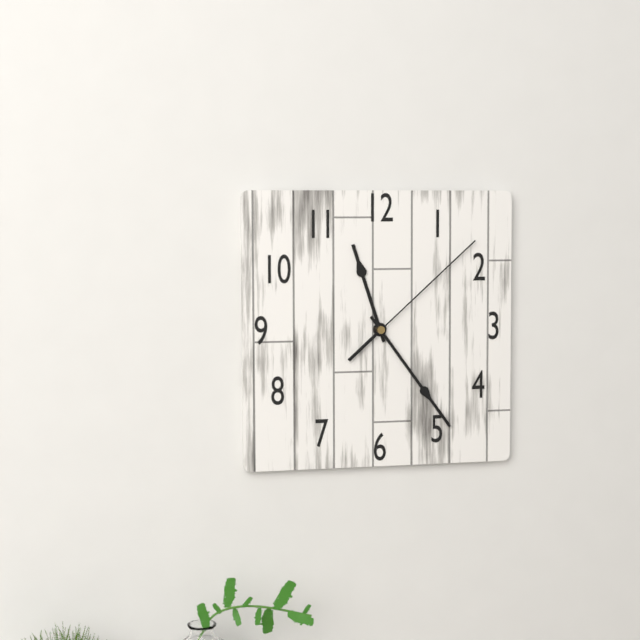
{"hour": 11, "minute": 24, "second": 8}
